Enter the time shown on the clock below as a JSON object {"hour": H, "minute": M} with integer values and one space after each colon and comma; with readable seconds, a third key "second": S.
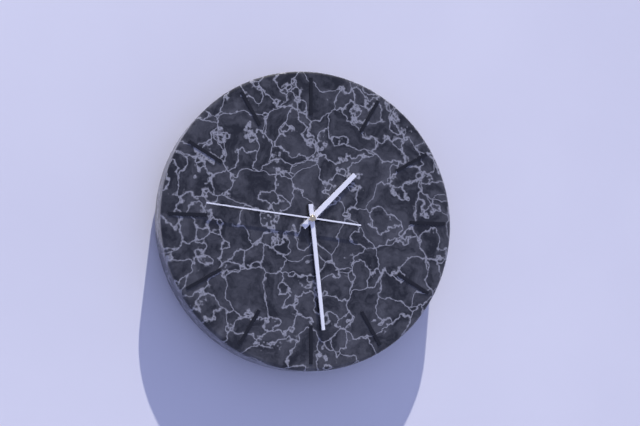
{"hour": 1, "minute": 29, "second": 46}
